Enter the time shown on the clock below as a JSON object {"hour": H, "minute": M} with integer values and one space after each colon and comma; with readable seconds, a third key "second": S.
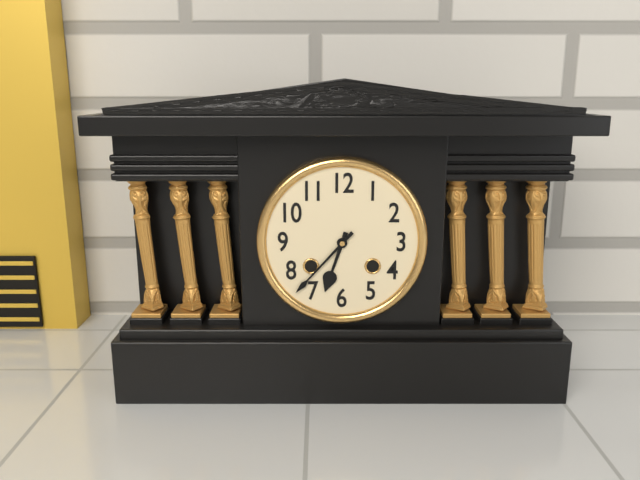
{"hour": 6, "minute": 37}
